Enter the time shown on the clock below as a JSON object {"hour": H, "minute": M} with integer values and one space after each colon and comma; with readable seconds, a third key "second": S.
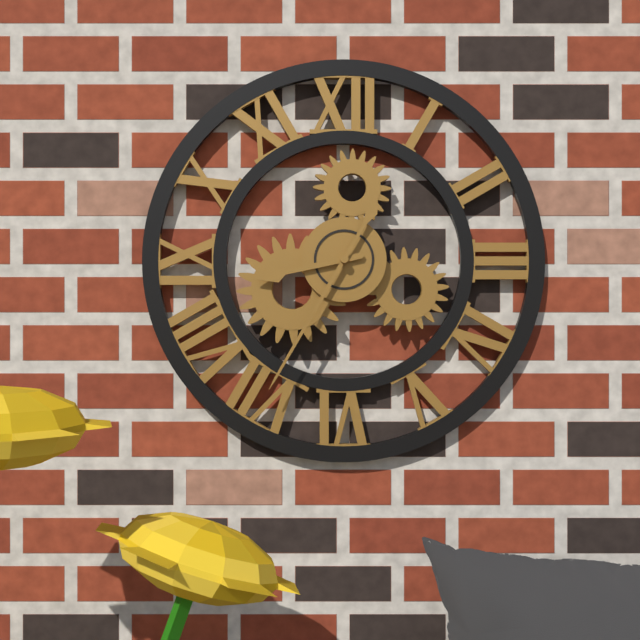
{"hour": 8, "minute": 35}
